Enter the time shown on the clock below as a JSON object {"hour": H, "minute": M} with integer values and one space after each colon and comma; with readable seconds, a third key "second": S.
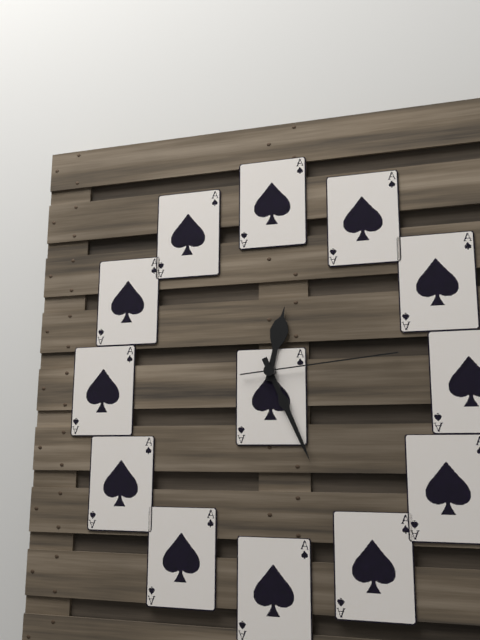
{"hour": 12, "minute": 26, "second": 14}
